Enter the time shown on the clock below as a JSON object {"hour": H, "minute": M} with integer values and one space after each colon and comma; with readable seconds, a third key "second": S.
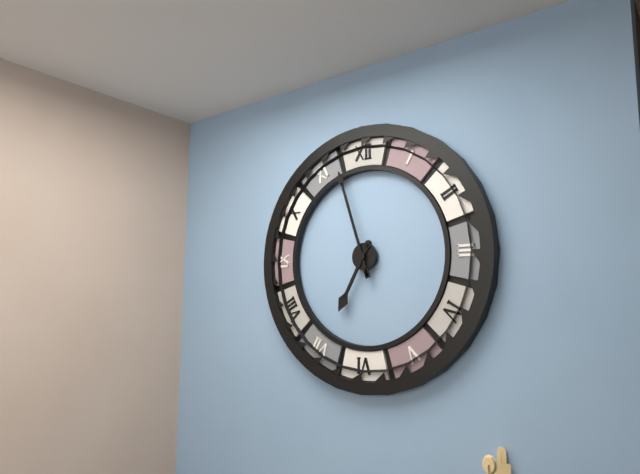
{"hour": 6, "minute": 57}
